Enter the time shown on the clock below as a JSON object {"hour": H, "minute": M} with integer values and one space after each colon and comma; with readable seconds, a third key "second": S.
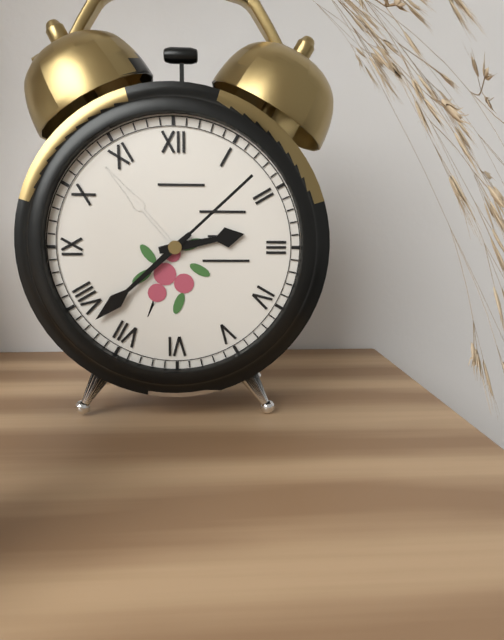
{"hour": 2, "minute": 38}
